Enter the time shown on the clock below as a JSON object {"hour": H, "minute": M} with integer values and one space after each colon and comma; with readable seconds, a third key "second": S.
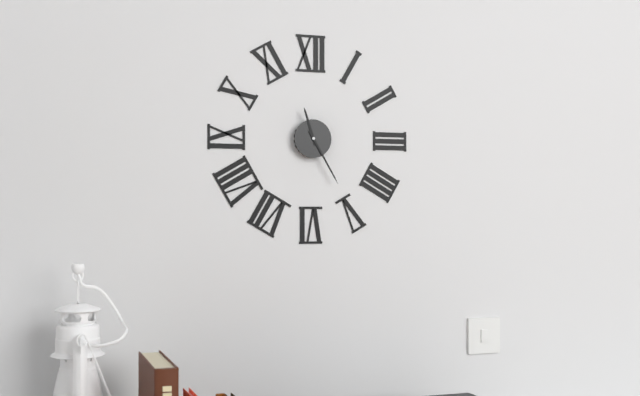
{"hour": 11, "minute": 25}
